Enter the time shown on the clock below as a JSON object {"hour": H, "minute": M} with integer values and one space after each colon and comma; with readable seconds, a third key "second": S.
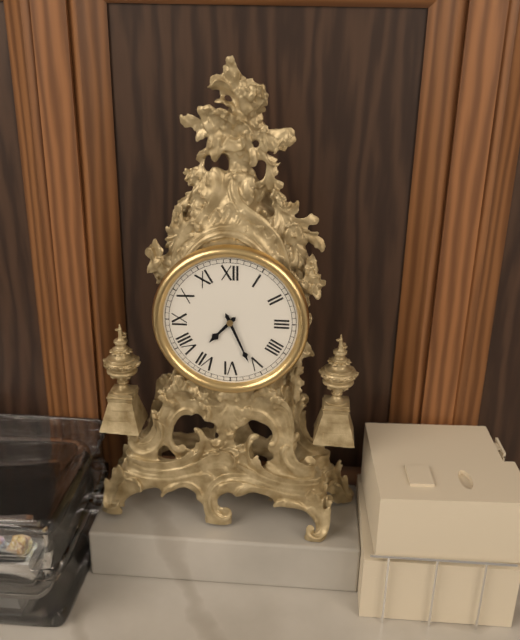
{"hour": 7, "minute": 26}
